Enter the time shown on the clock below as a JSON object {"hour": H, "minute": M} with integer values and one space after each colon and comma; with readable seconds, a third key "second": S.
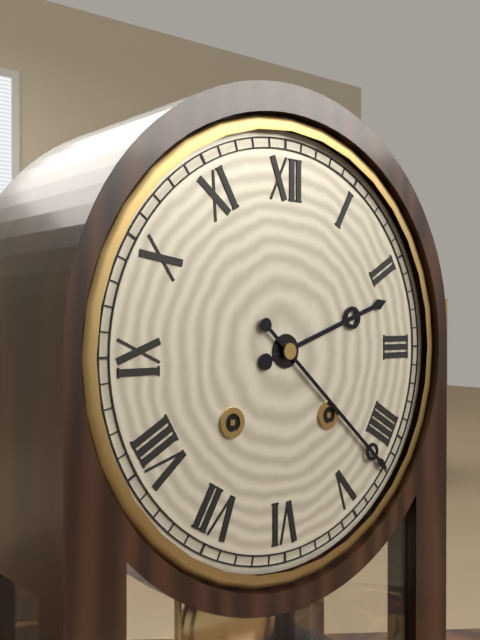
{"hour": 2, "minute": 22}
